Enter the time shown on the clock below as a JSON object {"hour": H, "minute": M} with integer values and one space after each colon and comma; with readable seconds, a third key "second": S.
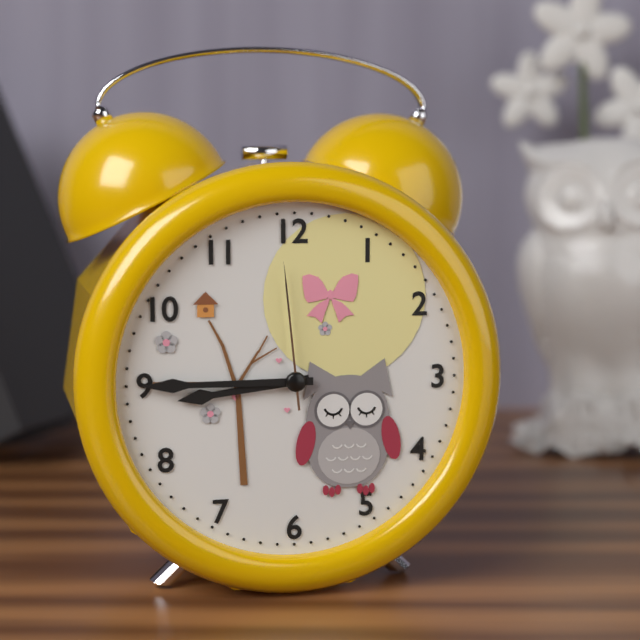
{"hour": 8, "minute": 45, "second": 59}
